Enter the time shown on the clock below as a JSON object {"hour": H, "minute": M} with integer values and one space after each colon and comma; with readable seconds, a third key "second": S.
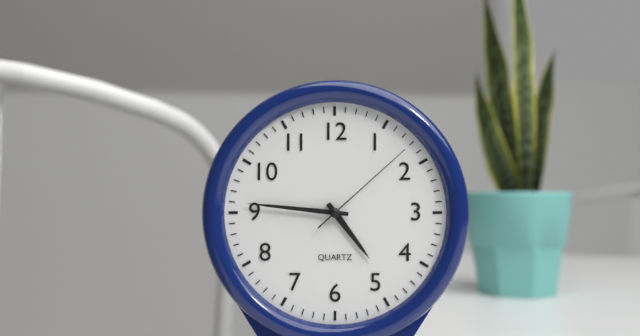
{"hour": 4, "minute": 46, "second": 8}
